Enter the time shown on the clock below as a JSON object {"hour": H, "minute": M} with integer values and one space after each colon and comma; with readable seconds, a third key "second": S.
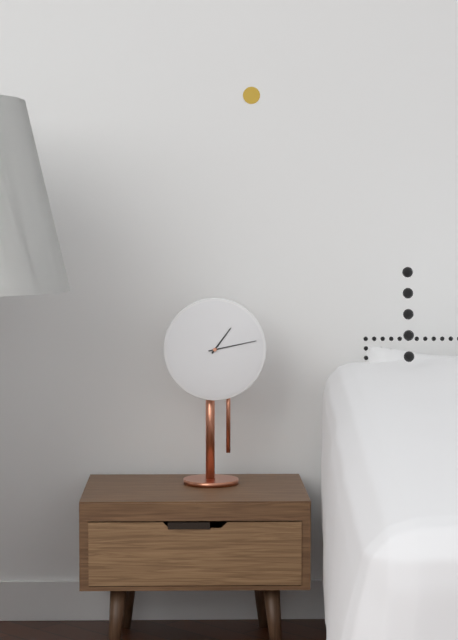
{"hour": 1, "minute": 13}
